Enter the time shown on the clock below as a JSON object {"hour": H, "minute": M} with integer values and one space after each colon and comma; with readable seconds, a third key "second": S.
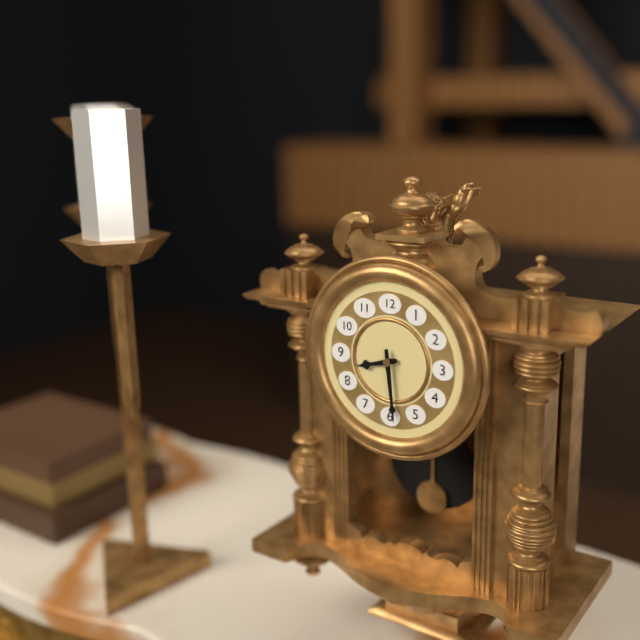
{"hour": 8, "minute": 29}
